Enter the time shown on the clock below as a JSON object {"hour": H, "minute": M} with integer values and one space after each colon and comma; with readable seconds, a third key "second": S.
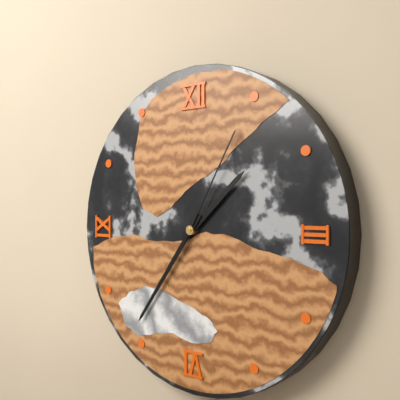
{"hour": 1, "minute": 36, "second": 5}
